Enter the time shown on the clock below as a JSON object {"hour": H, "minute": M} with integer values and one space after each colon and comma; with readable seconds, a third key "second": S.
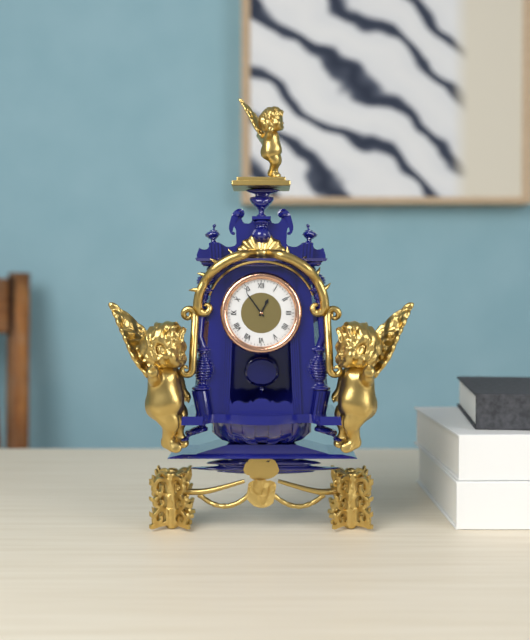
{"hour": 12, "minute": 54}
